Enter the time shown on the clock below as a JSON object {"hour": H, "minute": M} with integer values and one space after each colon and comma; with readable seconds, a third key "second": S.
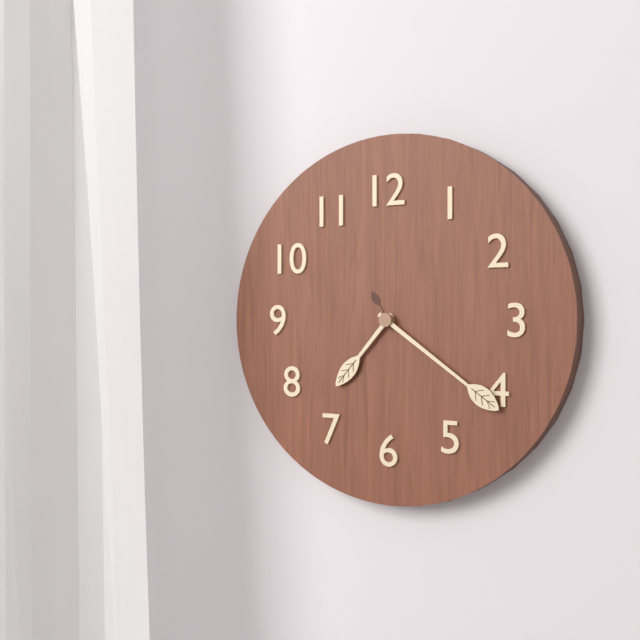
{"hour": 7, "minute": 21}
